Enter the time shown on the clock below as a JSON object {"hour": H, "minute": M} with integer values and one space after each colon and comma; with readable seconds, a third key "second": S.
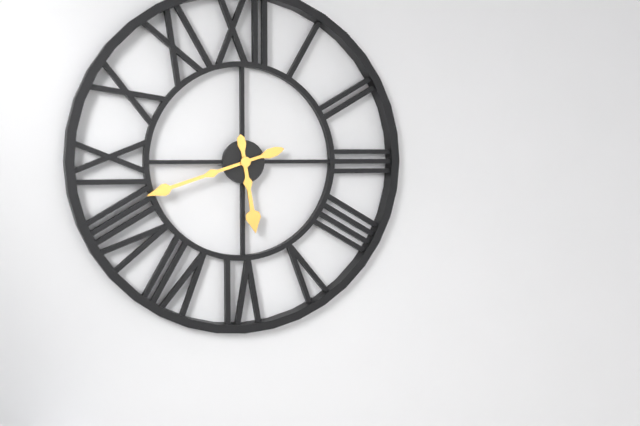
{"hour": 5, "minute": 42}
